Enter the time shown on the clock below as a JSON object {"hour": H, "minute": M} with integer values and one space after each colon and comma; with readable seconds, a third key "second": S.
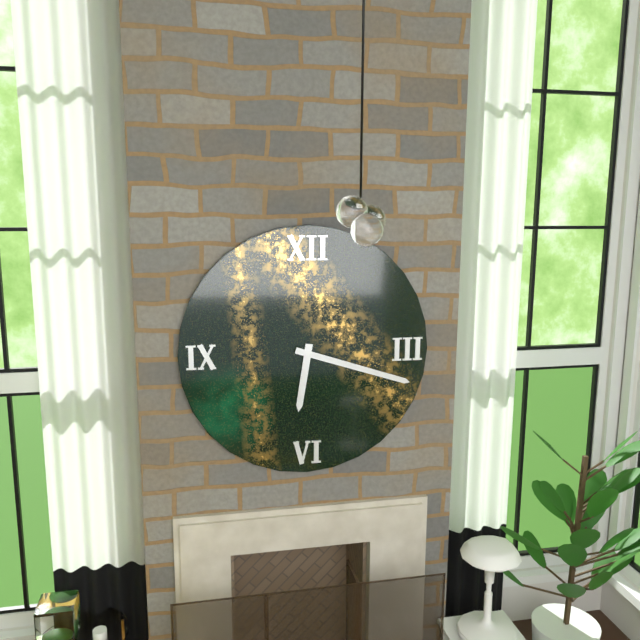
{"hour": 6, "minute": 18}
